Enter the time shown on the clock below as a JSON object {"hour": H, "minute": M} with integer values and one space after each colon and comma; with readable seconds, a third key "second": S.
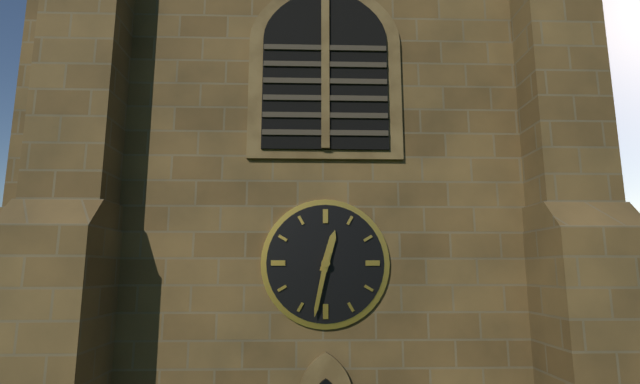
{"hour": 12, "minute": 32}
